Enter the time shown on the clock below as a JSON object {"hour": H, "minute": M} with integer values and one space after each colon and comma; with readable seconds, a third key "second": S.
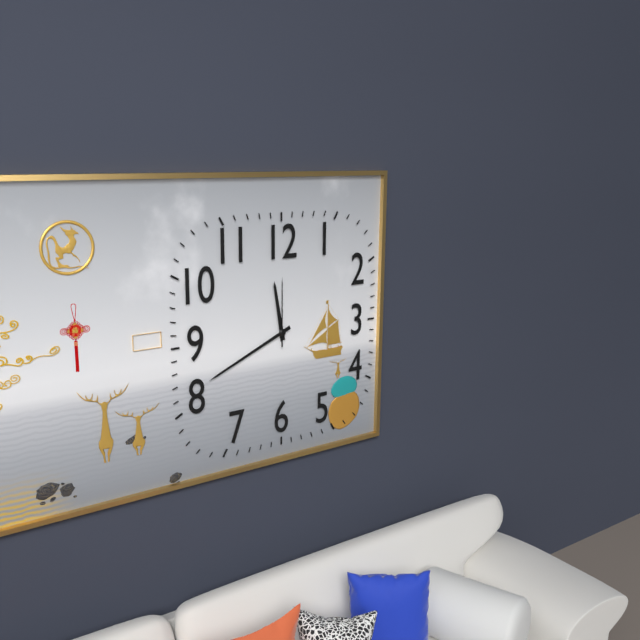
{"hour": 11, "minute": 41, "second": 0}
